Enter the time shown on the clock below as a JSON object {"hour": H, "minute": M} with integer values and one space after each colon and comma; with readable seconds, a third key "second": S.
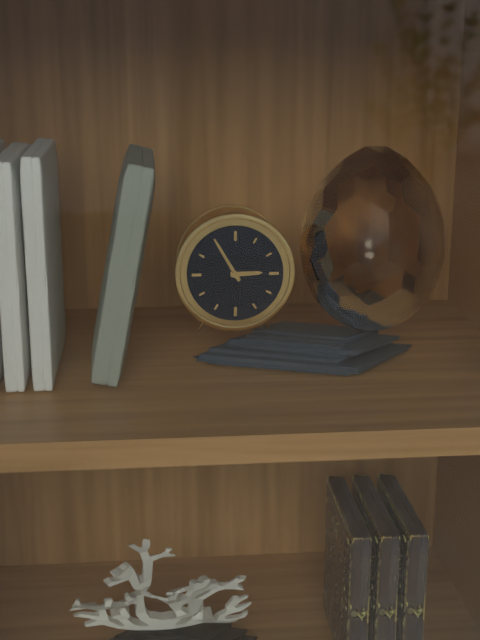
{"hour": 2, "minute": 55}
